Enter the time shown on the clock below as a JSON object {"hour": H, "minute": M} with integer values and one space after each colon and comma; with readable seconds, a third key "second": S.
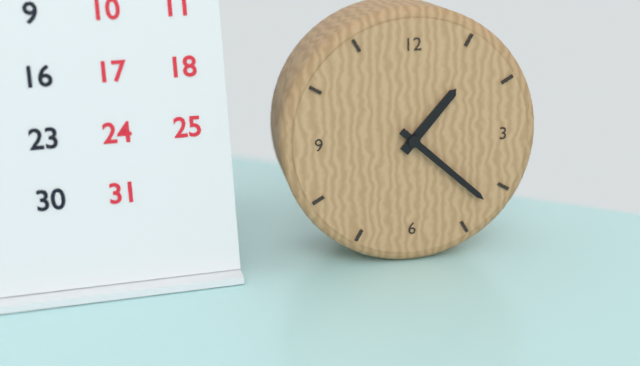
{"hour": 1, "minute": 22}
